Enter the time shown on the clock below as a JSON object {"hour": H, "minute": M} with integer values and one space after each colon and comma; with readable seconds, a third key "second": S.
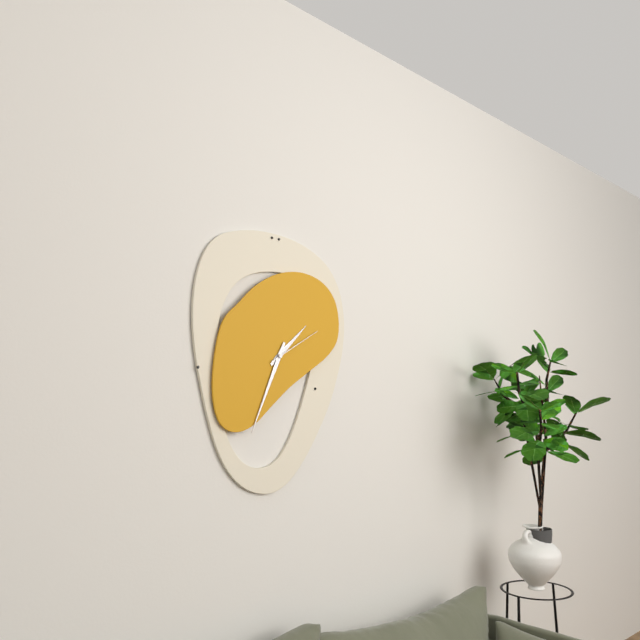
{"hour": 1, "minute": 34, "second": 10}
